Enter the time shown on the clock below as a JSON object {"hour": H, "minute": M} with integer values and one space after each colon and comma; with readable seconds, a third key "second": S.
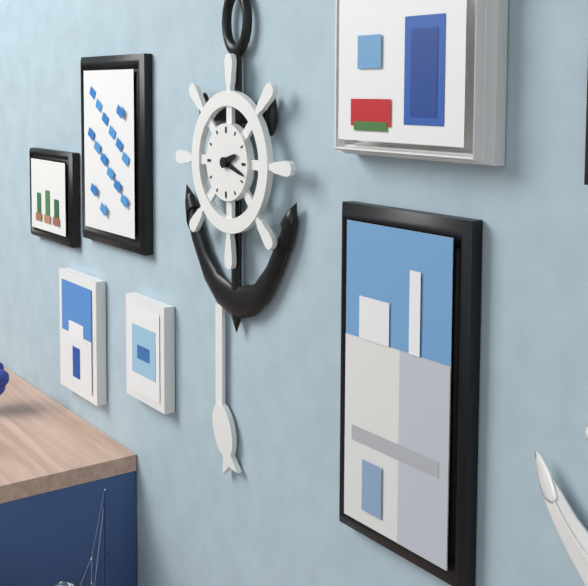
{"hour": 2, "minute": 18}
